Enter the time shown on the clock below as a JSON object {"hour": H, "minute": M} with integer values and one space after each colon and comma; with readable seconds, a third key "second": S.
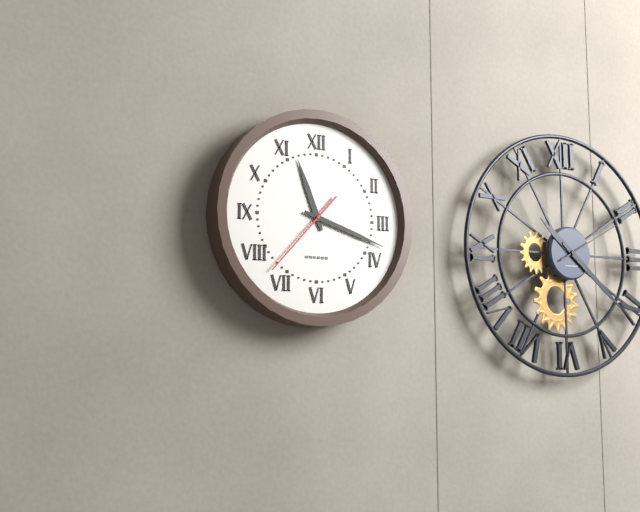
{"hour": 11, "minute": 18, "second": 37}
